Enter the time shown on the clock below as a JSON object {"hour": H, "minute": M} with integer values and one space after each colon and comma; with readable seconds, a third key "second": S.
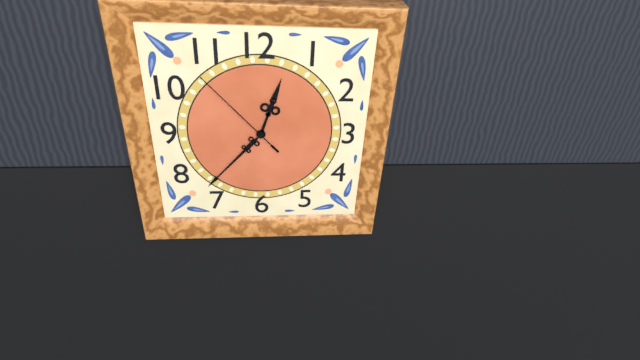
{"hour": 12, "minute": 37, "second": 53}
